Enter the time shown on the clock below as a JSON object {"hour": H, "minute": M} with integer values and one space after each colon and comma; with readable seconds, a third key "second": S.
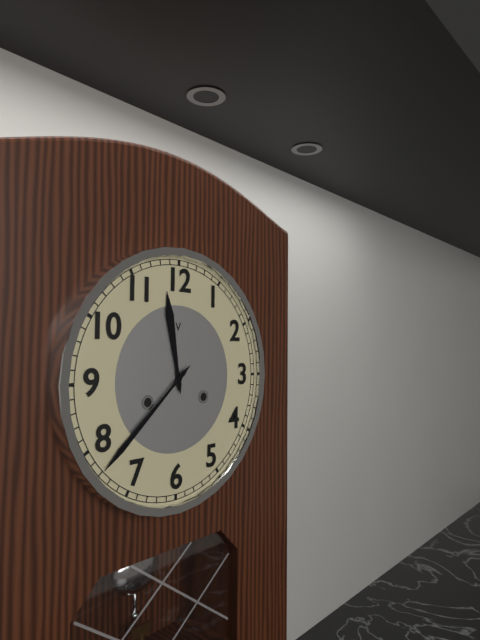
{"hour": 11, "minute": 38}
